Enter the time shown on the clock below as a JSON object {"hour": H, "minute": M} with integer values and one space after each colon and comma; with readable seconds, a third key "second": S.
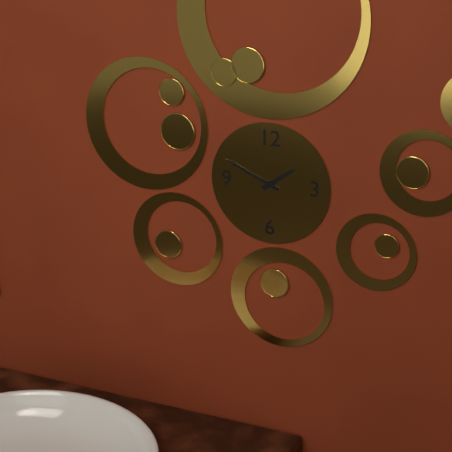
{"hour": 1, "minute": 49}
